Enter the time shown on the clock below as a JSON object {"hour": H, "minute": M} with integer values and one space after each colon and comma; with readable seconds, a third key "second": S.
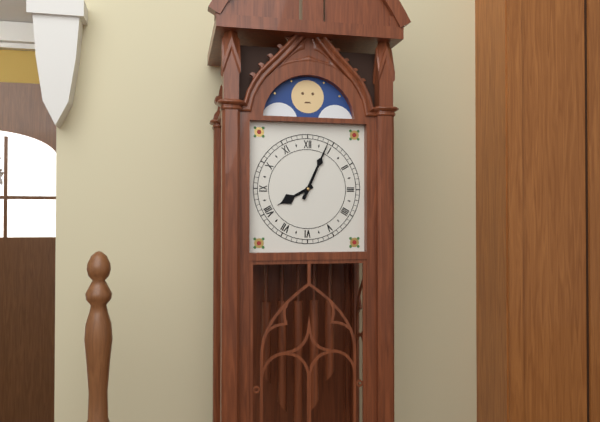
{"hour": 8, "minute": 4}
